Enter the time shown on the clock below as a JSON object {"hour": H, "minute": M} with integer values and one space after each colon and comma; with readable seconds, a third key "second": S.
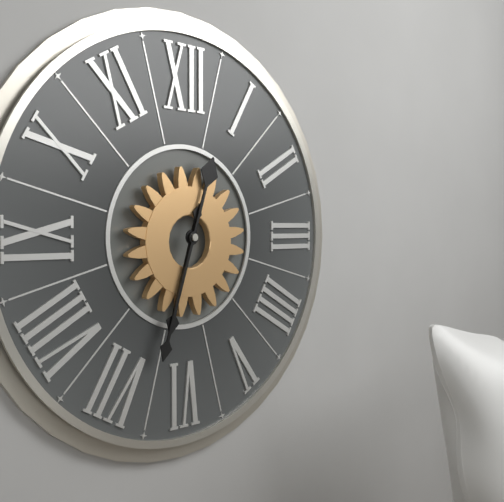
{"hour": 6, "minute": 33}
